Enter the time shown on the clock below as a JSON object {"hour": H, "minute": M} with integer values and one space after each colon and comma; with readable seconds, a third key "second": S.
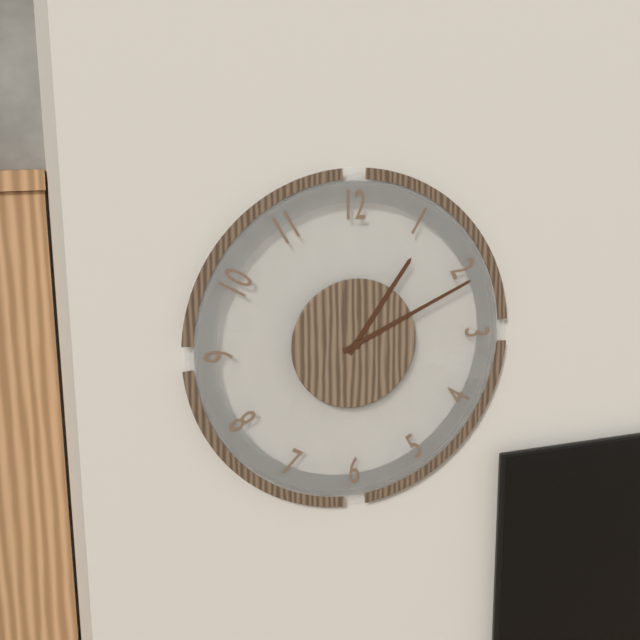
{"hour": 1, "minute": 11}
